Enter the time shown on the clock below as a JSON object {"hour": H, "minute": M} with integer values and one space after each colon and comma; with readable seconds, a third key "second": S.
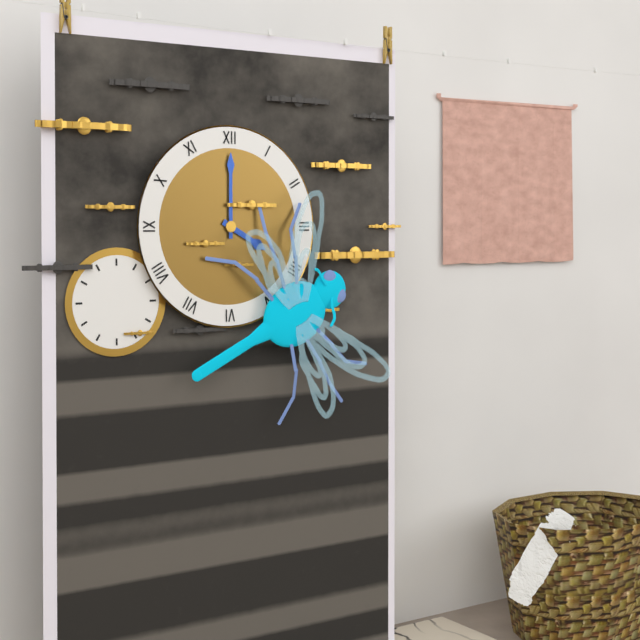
{"hour": 4, "minute": 0}
